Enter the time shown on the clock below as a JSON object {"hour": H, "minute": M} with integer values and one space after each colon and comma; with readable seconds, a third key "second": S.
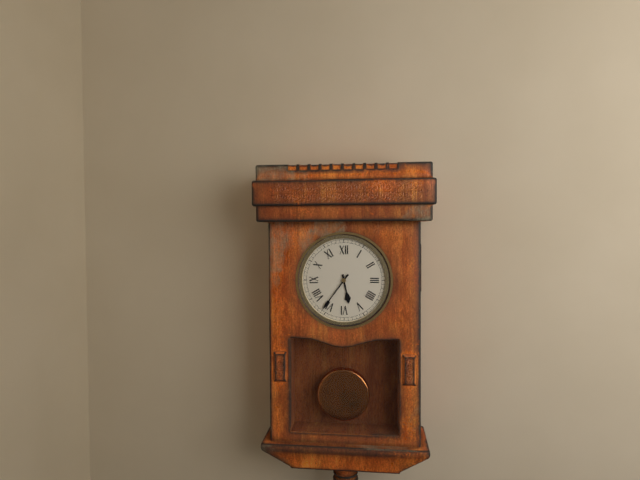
{"hour": 5, "minute": 36}
